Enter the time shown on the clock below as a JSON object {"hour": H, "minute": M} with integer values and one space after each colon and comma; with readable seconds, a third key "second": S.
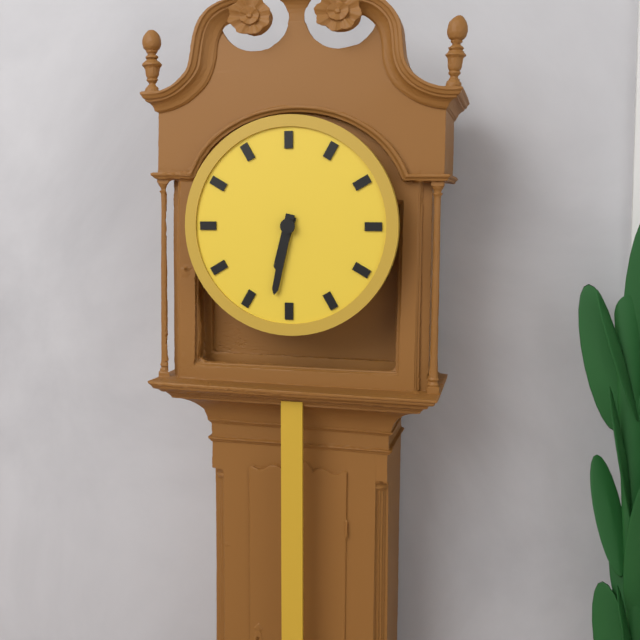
{"hour": 6, "minute": 32}
